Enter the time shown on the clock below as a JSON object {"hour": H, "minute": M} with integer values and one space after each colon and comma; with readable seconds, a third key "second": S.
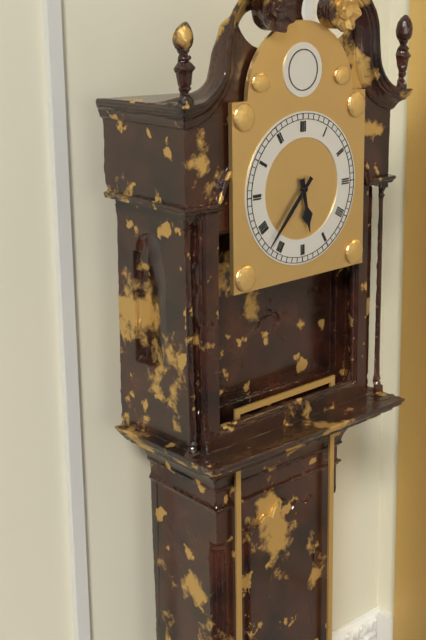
{"hour": 5, "minute": 37}
